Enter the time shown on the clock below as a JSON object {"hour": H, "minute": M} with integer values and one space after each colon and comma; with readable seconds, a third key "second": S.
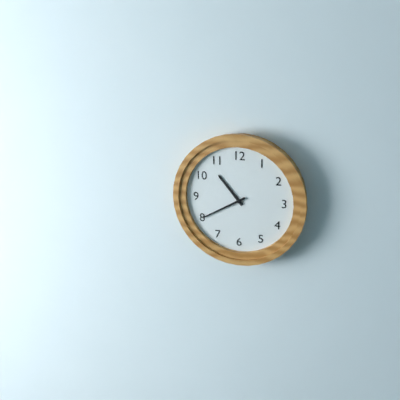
{"hour": 10, "minute": 40}
